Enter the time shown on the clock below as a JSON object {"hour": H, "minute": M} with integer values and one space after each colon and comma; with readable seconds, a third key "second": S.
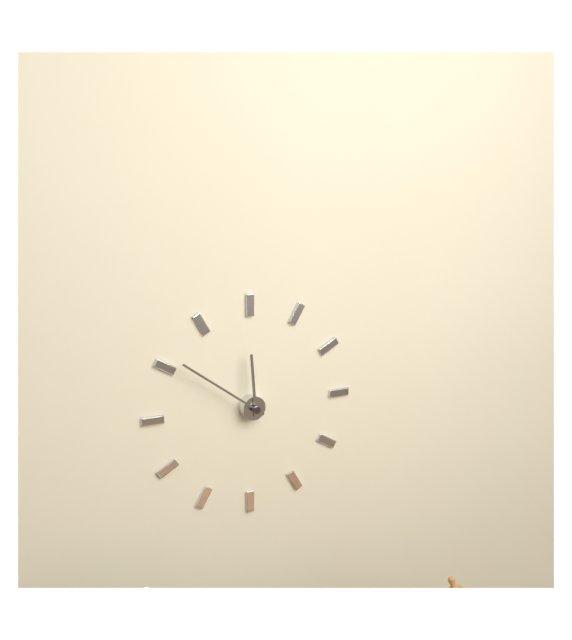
{"hour": 11, "minute": 51}
